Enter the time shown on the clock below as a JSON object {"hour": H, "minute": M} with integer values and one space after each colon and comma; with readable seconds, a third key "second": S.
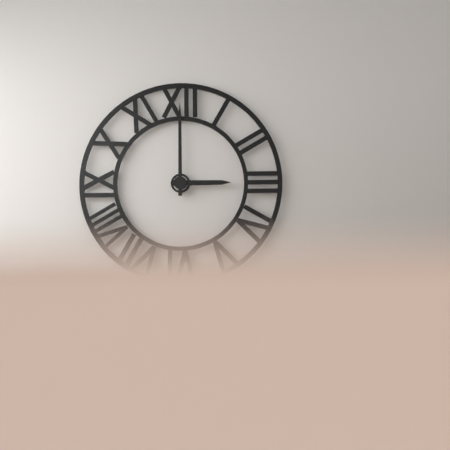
{"hour": 3, "minute": 0}
